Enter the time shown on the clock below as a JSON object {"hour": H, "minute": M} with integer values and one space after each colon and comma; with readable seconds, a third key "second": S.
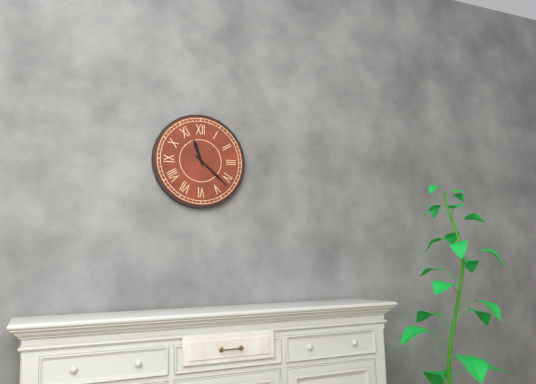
{"hour": 11, "minute": 22}
